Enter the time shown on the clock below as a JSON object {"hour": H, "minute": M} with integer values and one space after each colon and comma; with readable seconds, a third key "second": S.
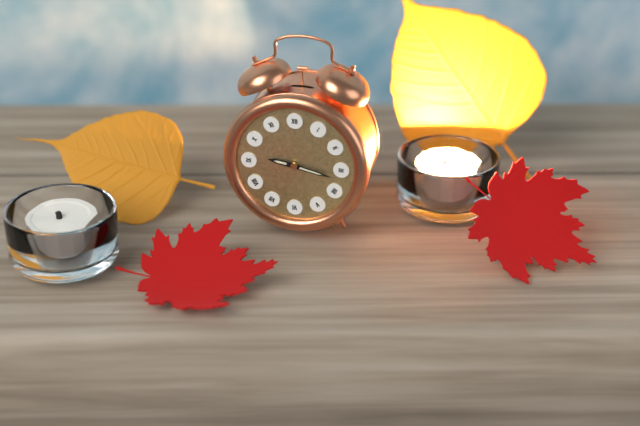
{"hour": 9, "minute": 17}
